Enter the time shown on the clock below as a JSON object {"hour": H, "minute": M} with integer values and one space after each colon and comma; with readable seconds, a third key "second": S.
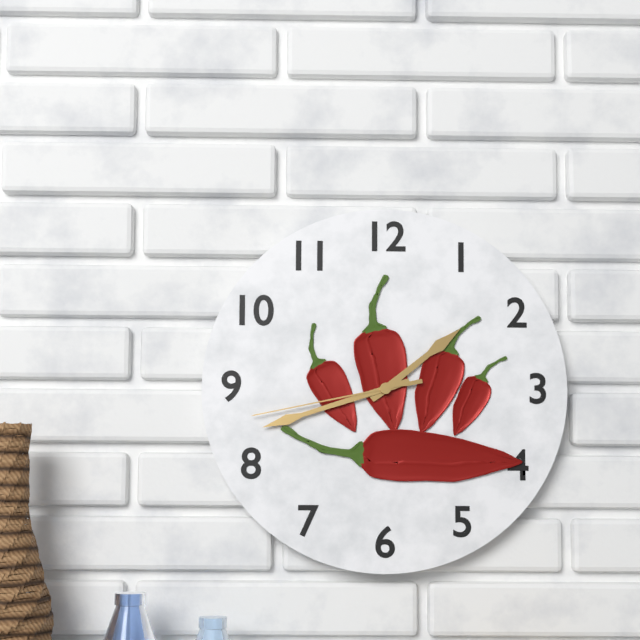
{"hour": 1, "minute": 42, "second": 43}
